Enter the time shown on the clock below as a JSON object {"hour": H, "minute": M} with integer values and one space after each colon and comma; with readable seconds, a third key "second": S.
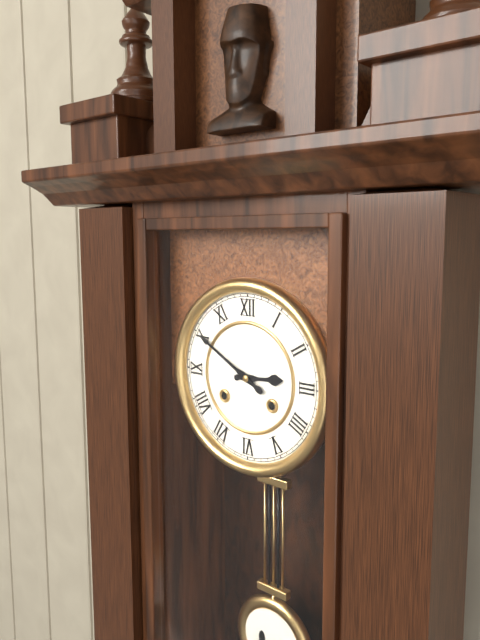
{"hour": 2, "minute": 50}
